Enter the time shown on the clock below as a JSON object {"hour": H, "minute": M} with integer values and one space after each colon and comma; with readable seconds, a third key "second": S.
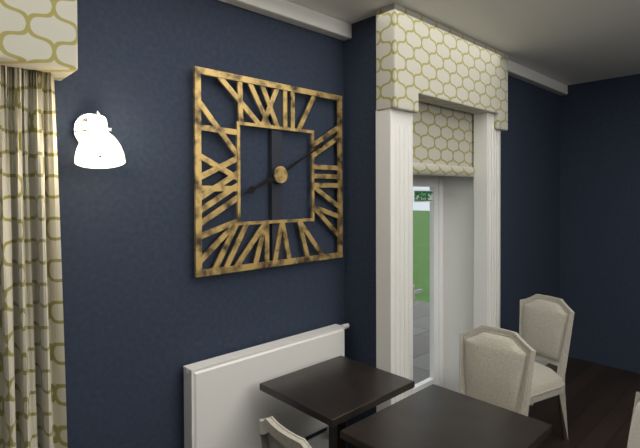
{"hour": 8, "minute": 10}
